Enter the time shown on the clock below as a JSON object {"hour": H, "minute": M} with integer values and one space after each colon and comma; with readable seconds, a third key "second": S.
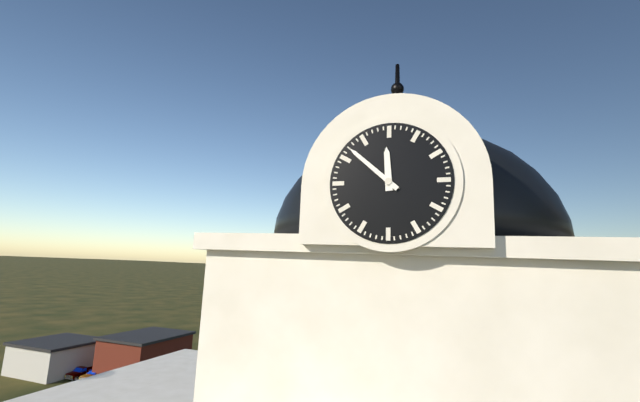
{"hour": 11, "minute": 52}
